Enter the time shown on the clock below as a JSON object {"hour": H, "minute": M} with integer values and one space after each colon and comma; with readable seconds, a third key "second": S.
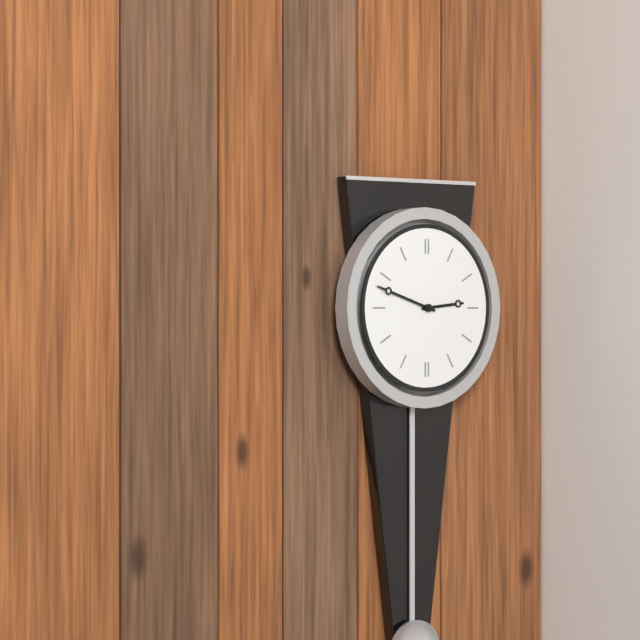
{"hour": 2, "minute": 48}
